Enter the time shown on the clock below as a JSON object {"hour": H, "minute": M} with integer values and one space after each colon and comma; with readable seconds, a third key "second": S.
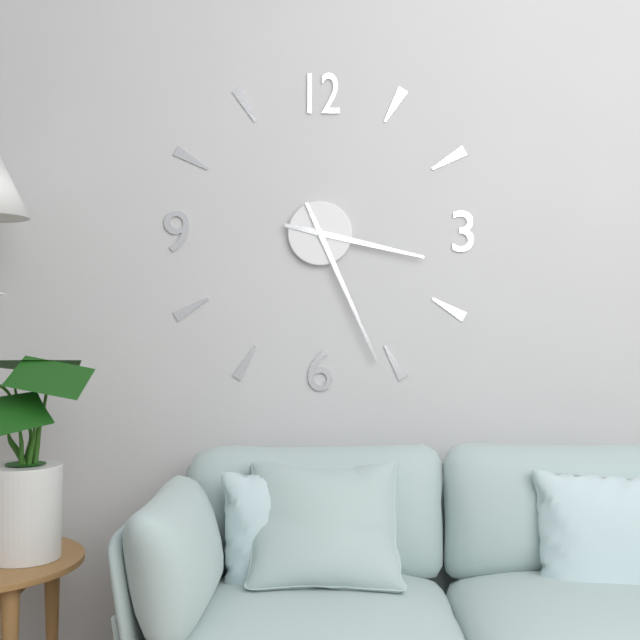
{"hour": 3, "minute": 26}
